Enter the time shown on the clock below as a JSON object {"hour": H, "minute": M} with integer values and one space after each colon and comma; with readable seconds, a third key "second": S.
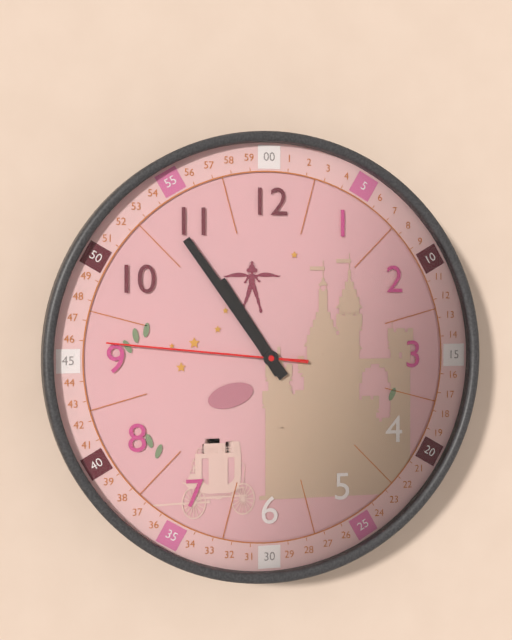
{"hour": 10, "minute": 54, "second": 46}
